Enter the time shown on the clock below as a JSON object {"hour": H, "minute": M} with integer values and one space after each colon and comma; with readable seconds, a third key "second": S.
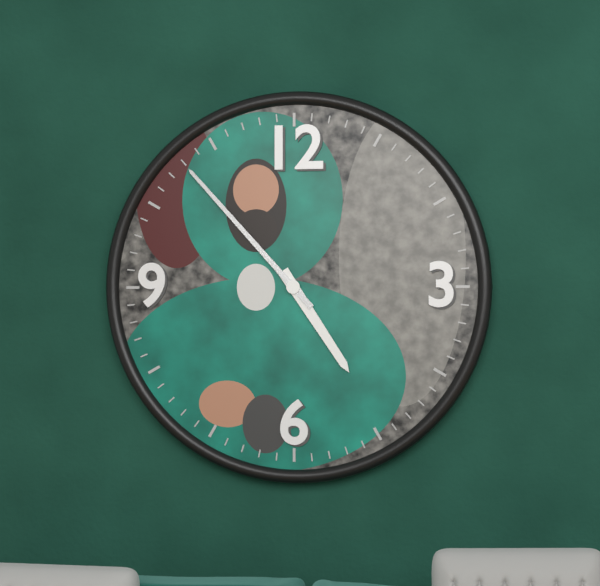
{"hour": 4, "minute": 53}
